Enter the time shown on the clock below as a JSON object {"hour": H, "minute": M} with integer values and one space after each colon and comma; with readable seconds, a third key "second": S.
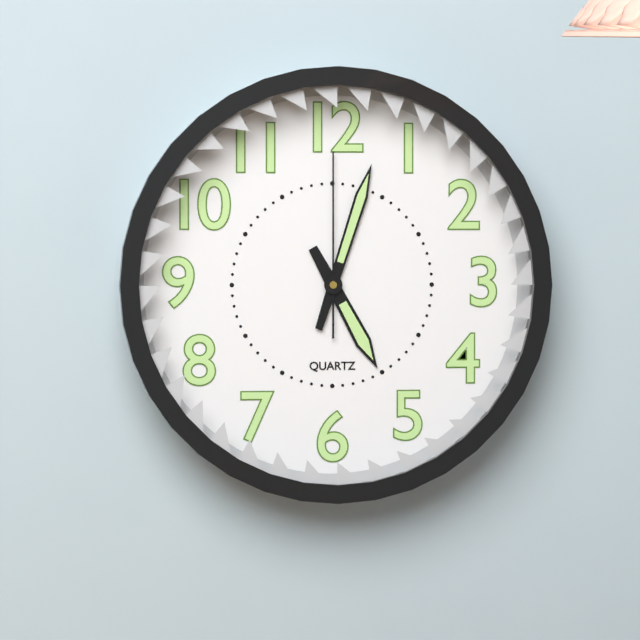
{"hour": 5, "minute": 3, "second": 0}
